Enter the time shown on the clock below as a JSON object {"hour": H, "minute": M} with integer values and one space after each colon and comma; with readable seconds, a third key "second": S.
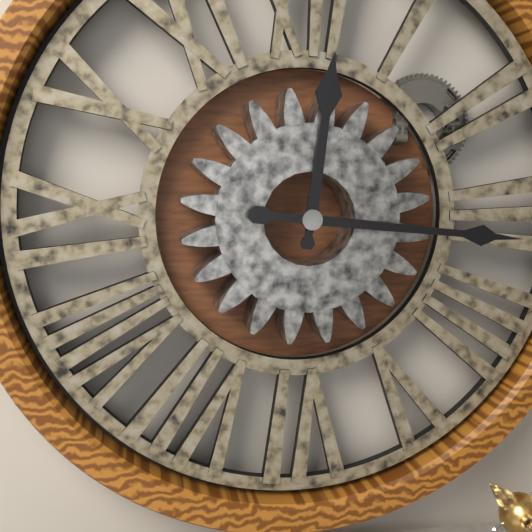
{"hour": 12, "minute": 16}
